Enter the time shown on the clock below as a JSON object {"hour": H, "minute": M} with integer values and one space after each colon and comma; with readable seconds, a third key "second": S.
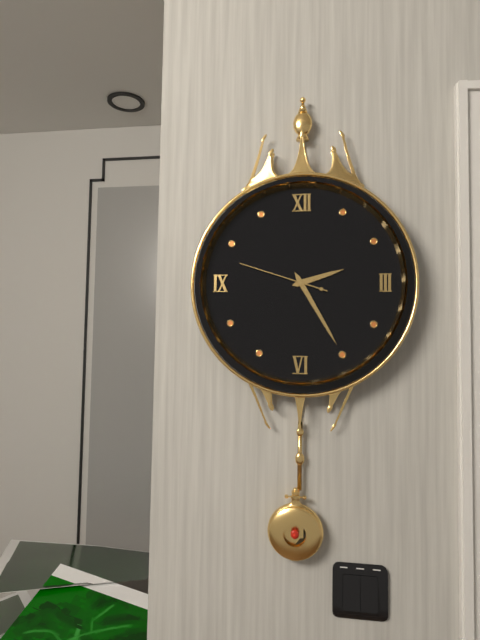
{"hour": 2, "minute": 25, "second": 48}
